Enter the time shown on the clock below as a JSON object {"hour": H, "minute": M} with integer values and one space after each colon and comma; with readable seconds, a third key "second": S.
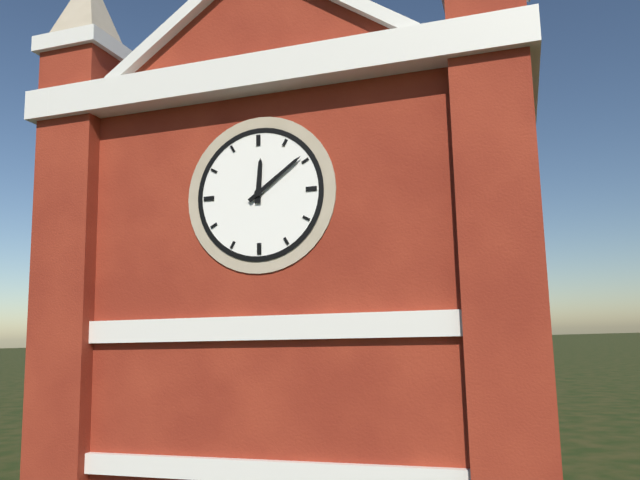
{"hour": 12, "minute": 9}
